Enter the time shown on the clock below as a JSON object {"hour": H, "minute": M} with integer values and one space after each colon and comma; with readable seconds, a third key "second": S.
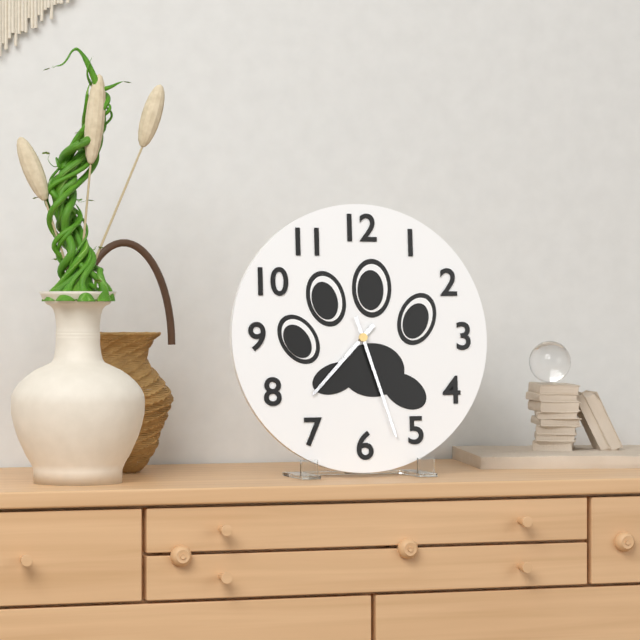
{"hour": 7, "minute": 27}
